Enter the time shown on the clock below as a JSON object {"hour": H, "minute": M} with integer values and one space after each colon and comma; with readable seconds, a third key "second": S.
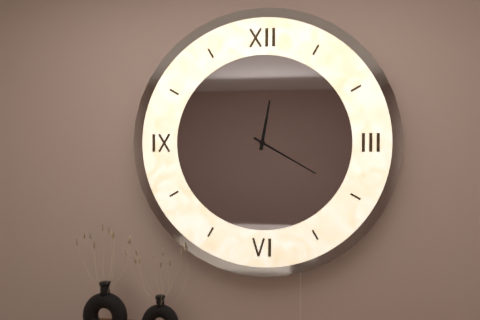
{"hour": 12, "minute": 20}
